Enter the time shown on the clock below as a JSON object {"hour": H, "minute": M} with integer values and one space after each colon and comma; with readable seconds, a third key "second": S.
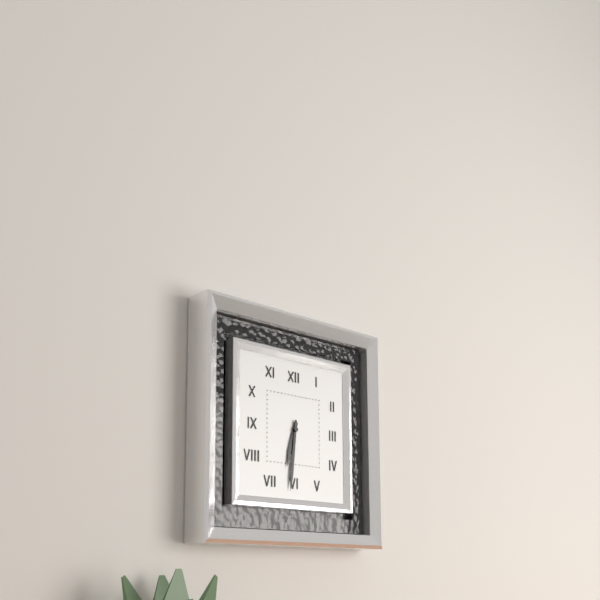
{"hour": 6, "minute": 31}
